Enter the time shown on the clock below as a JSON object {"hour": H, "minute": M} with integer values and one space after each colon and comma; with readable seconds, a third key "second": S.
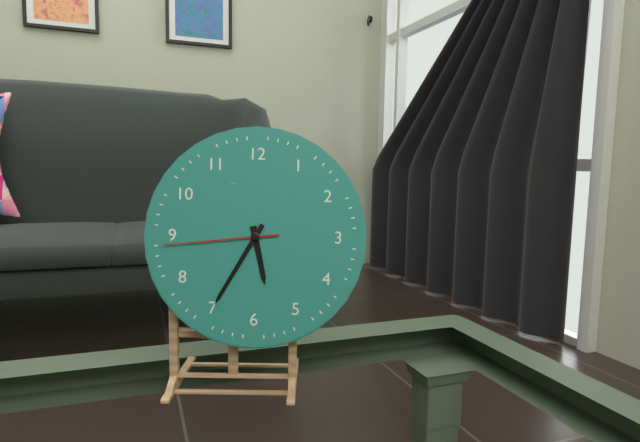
{"hour": 5, "minute": 35, "second": 44}
